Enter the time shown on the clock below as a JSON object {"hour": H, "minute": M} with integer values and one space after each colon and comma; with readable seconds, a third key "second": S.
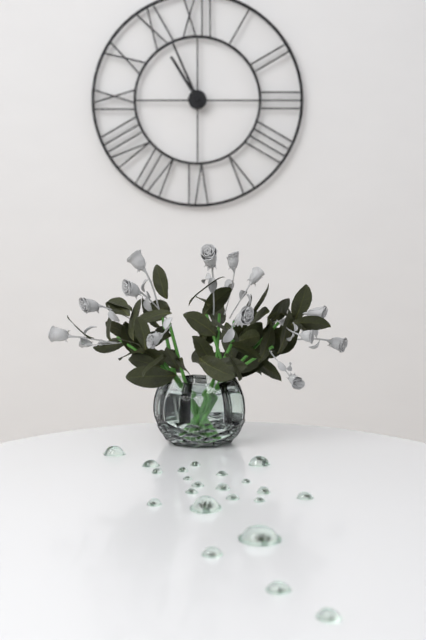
{"hour": 10, "minute": 56}
